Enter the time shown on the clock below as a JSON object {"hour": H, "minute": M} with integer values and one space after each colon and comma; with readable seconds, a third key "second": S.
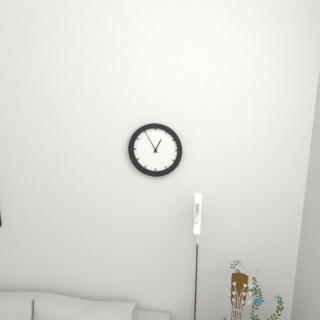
{"hour": 12, "minute": 55}
